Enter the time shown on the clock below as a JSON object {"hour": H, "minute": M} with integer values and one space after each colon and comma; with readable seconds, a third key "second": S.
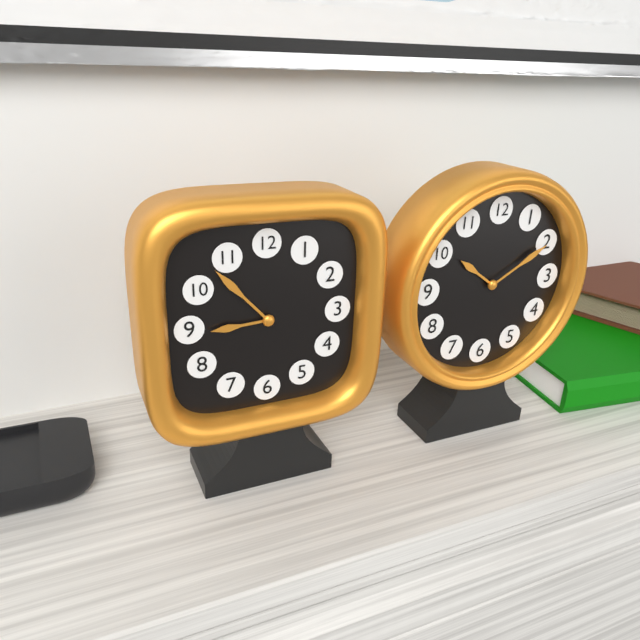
{"hour": 8, "minute": 53}
